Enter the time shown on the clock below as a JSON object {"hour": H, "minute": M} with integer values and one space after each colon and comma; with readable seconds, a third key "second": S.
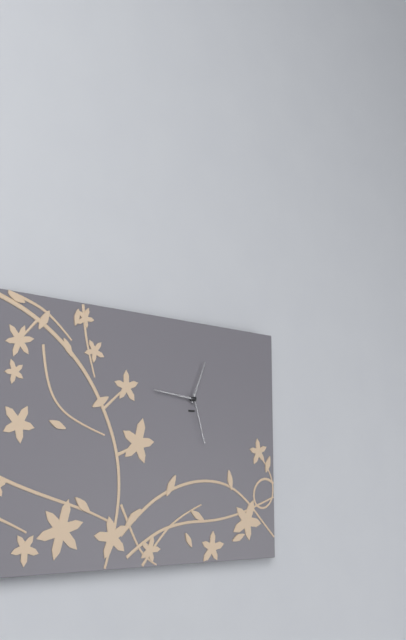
{"hour": 12, "minute": 46, "second": 27}
